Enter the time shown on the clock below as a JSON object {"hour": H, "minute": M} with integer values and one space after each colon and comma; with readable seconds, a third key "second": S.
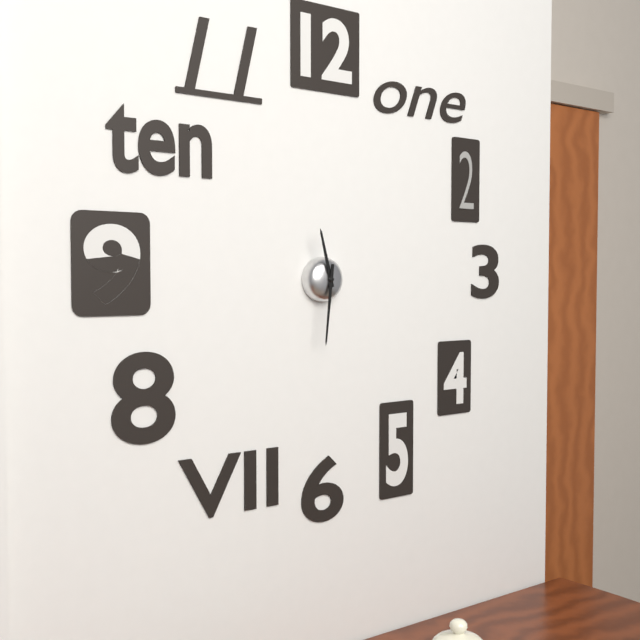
{"hour": 11, "minute": 31}
